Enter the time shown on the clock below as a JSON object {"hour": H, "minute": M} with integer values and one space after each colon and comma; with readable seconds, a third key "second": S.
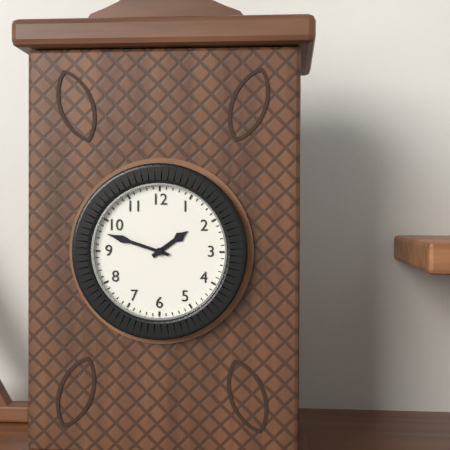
{"hour": 1, "minute": 48}
